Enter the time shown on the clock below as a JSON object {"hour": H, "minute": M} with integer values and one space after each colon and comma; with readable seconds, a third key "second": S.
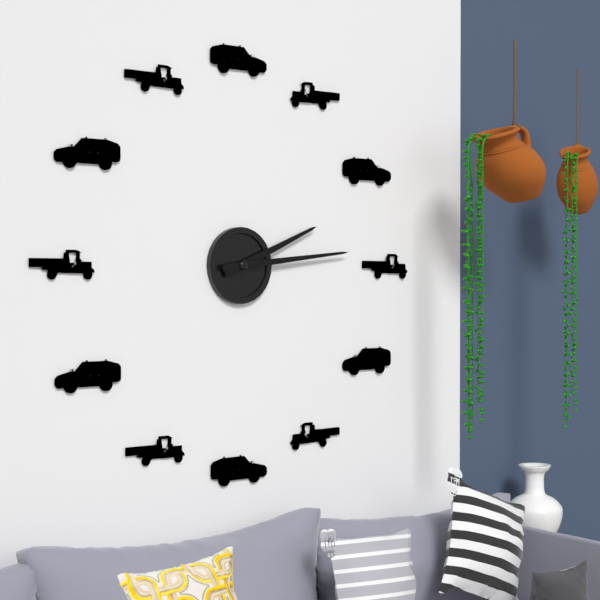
{"hour": 2, "minute": 14}
